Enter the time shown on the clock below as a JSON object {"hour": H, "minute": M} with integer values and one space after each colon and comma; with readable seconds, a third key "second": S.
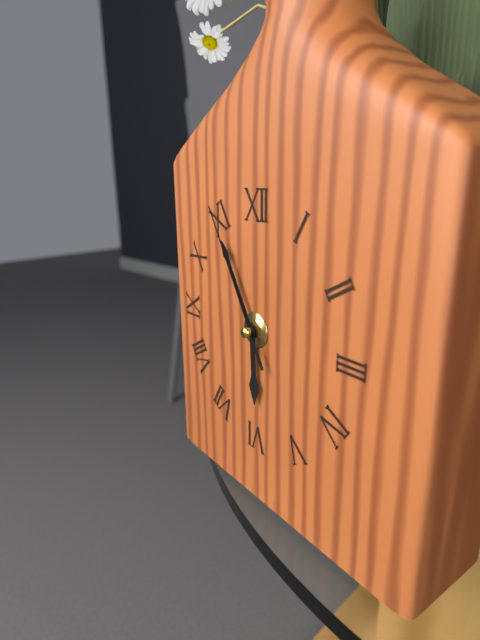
{"hour": 5, "minute": 55, "second": 55}
